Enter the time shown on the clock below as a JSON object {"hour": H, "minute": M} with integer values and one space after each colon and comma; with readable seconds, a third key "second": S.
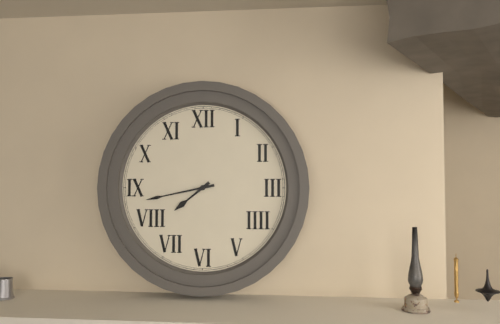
{"hour": 7, "minute": 43}
